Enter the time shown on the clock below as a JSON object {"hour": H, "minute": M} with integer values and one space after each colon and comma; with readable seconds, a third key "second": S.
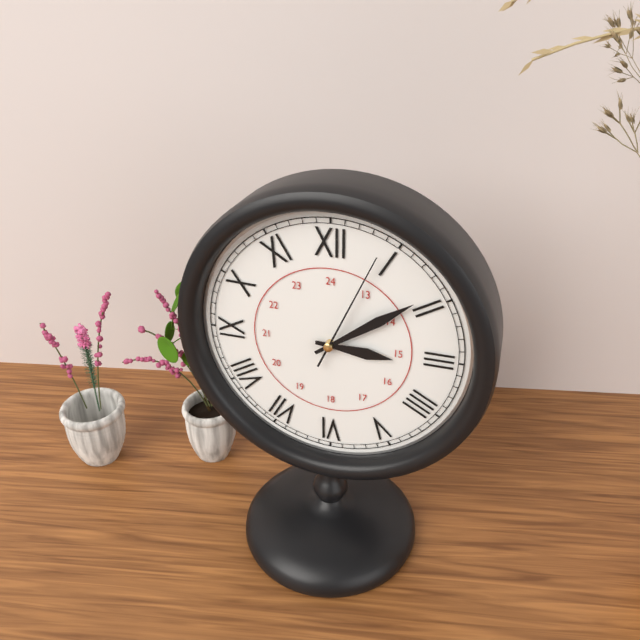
{"hour": 3, "minute": 9, "second": 4}
